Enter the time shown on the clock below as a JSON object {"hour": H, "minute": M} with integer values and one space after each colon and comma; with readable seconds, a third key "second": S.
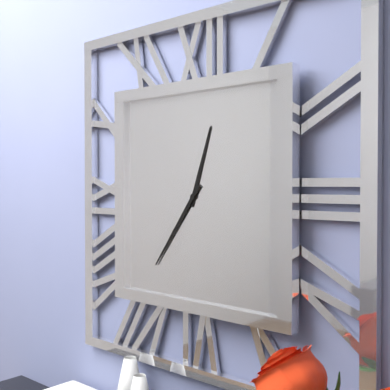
{"hour": 12, "minute": 36}
